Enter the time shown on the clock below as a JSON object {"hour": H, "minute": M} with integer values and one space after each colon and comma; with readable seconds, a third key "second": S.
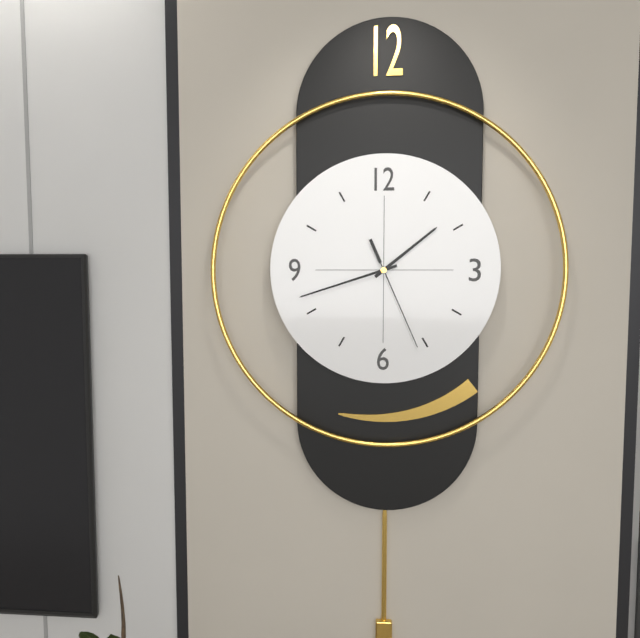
{"hour": 1, "minute": 42, "second": 26}
